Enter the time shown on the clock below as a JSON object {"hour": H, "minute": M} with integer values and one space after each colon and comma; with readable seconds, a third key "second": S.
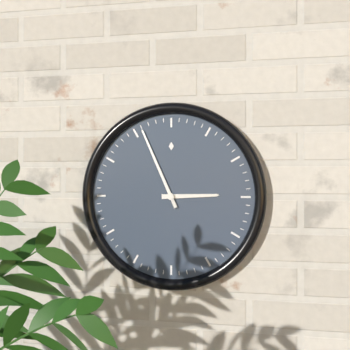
{"hour": 2, "minute": 56}
